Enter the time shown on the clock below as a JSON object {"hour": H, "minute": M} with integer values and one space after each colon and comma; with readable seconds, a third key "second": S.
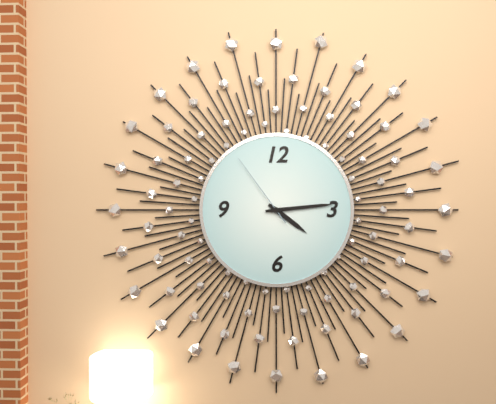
{"hour": 4, "minute": 14, "second": 54}
